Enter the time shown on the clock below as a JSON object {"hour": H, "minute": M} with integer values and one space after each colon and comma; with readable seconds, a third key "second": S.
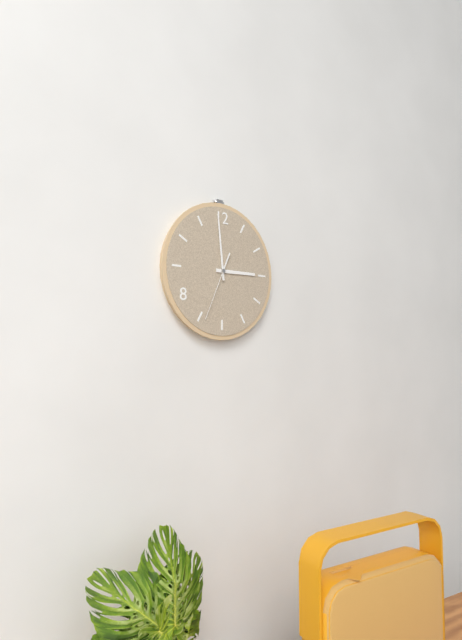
{"hour": 2, "minute": 59, "second": 34}
